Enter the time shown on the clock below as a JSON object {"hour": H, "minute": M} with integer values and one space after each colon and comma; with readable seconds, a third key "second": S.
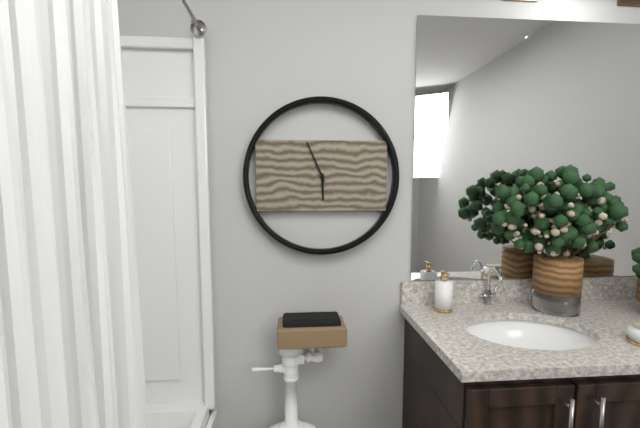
{"hour": 5, "minute": 56}
